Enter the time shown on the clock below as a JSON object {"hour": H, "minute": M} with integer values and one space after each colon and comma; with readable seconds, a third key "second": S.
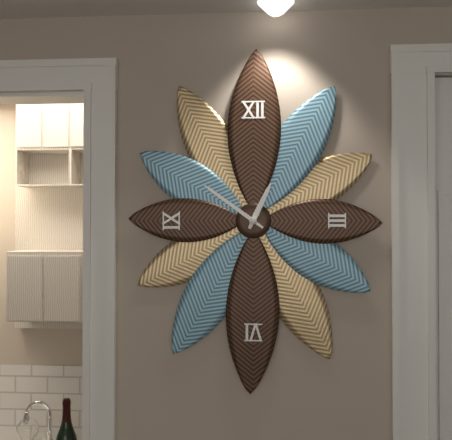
{"hour": 12, "minute": 51}
